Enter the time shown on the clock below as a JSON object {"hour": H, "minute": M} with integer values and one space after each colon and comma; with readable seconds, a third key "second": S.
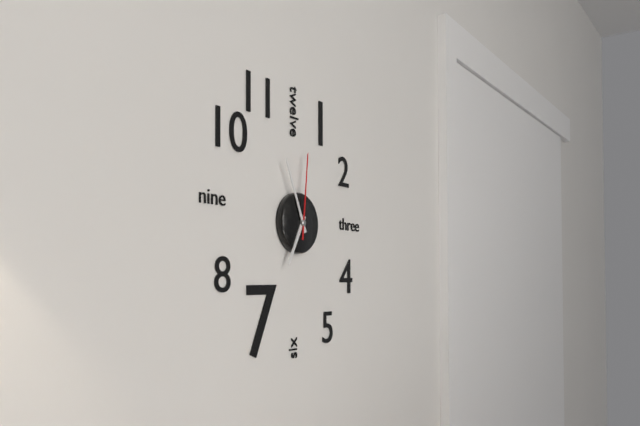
{"hour": 6, "minute": 56, "second": 1}
